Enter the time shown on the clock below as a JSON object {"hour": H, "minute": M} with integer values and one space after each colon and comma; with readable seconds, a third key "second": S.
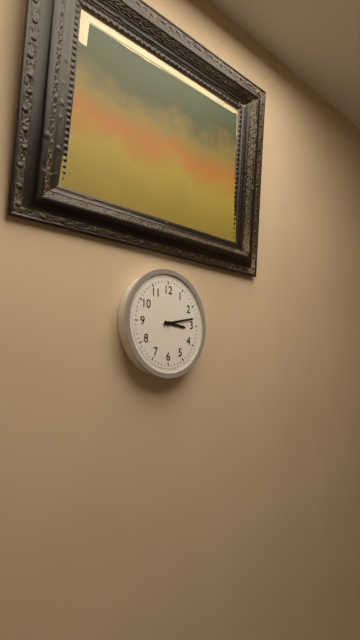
{"hour": 3, "minute": 13}
